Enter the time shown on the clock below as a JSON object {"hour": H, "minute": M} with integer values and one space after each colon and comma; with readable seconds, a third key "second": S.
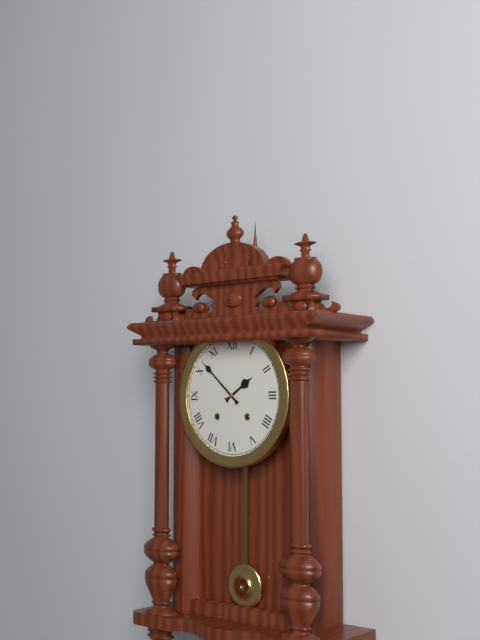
{"hour": 1, "minute": 52}
